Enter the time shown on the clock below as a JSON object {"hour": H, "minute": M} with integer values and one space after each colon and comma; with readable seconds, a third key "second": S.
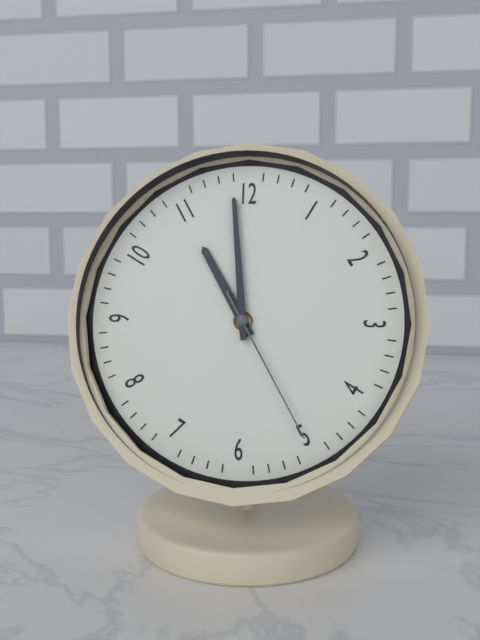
{"hour": 10, "minute": 59, "second": 25}
